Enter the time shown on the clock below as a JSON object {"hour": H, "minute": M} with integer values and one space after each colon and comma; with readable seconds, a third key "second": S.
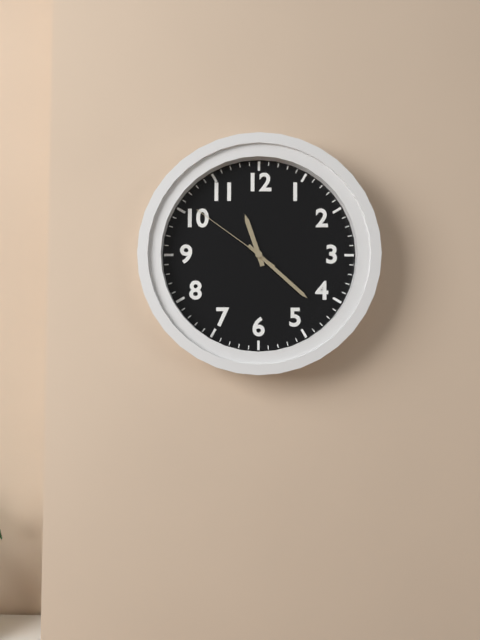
{"hour": 11, "minute": 22, "second": 51}
